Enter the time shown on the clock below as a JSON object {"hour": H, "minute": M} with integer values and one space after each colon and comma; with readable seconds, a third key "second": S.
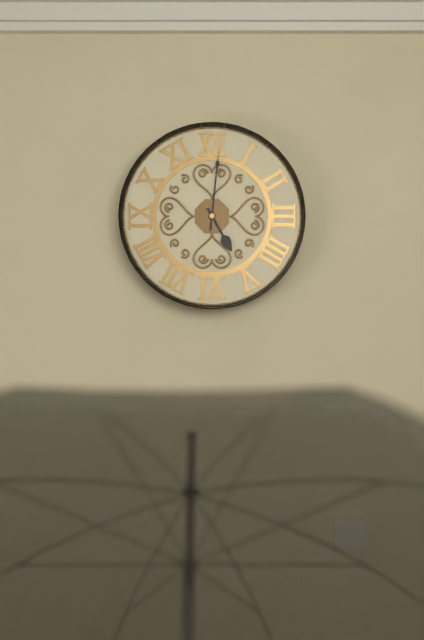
{"hour": 5, "minute": 1}
